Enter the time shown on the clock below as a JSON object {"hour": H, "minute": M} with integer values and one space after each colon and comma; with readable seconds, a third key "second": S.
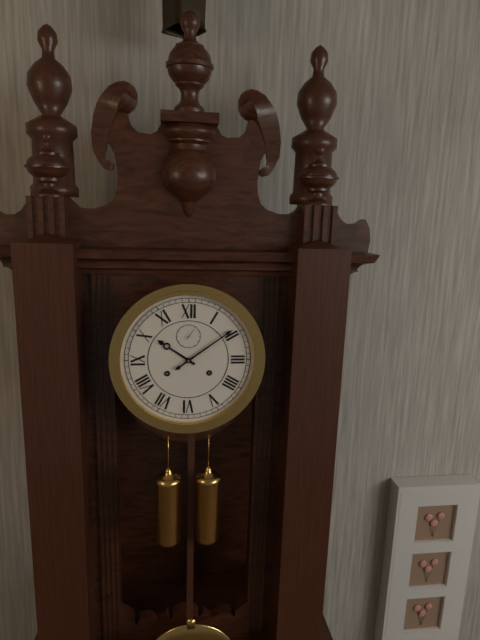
{"hour": 10, "minute": 9}
